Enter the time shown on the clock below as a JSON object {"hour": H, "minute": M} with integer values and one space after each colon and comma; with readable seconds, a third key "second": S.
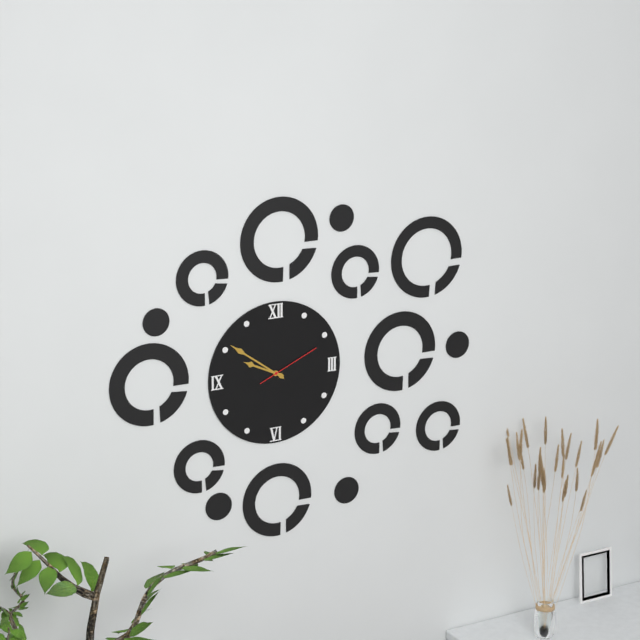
{"hour": 9, "minute": 51, "second": 11}
